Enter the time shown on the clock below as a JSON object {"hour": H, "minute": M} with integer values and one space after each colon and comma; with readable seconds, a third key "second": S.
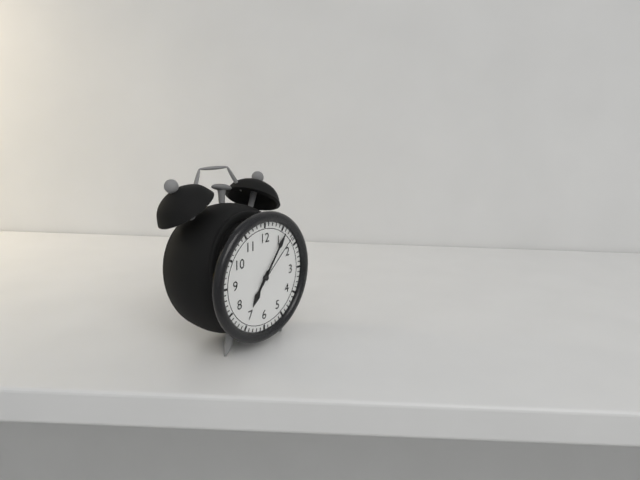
{"hour": 7, "minute": 6, "second": 8}
